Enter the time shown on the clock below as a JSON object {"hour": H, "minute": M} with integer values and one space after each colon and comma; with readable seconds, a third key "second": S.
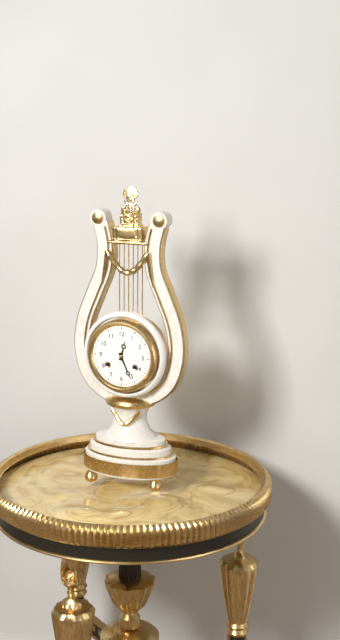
{"hour": 12, "minute": 26}
